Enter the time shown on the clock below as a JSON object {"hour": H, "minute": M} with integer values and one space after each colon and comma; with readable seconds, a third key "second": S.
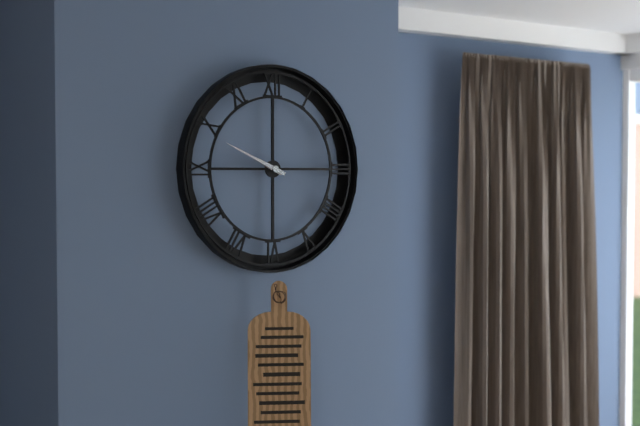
{"hour": 9, "minute": 49}
